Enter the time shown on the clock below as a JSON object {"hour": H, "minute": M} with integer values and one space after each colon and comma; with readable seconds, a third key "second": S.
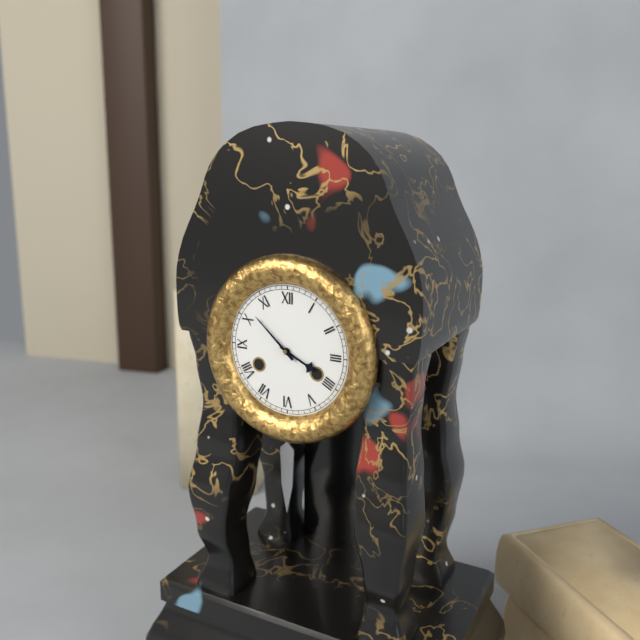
{"hour": 3, "minute": 52}
